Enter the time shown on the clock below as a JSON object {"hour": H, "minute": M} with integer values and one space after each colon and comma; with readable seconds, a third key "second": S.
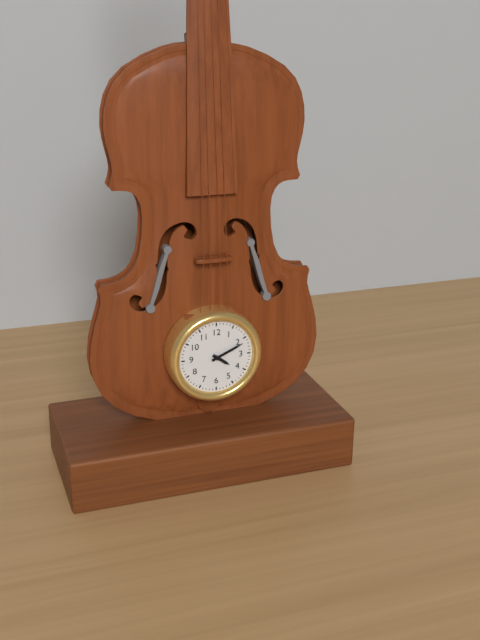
{"hour": 4, "minute": 11}
